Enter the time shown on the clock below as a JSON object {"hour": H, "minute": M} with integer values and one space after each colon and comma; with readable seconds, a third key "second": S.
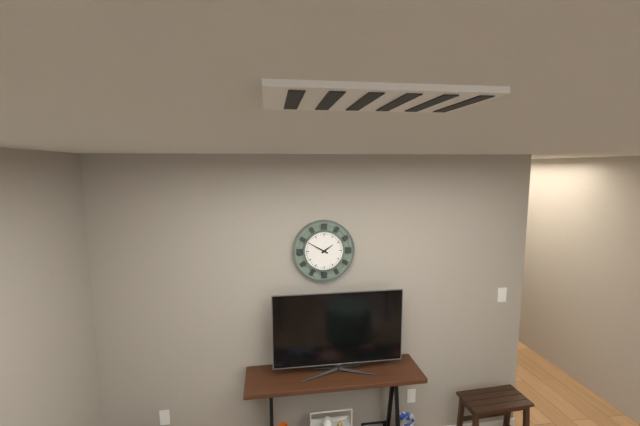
{"hour": 1, "minute": 50}
